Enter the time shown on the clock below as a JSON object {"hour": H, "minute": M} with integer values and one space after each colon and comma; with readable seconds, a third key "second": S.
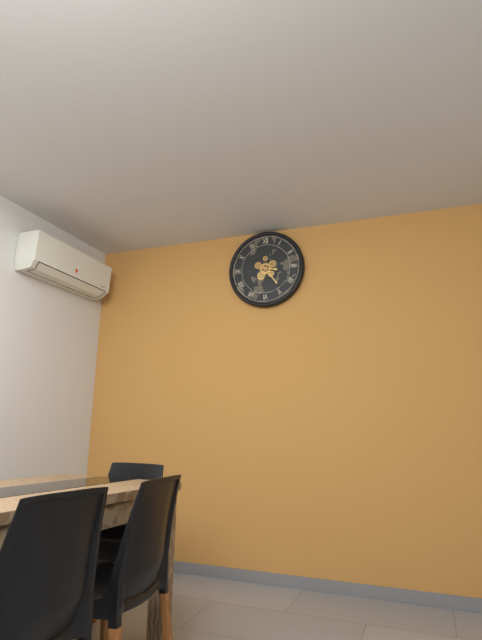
{"hour": 3, "minute": 24}
